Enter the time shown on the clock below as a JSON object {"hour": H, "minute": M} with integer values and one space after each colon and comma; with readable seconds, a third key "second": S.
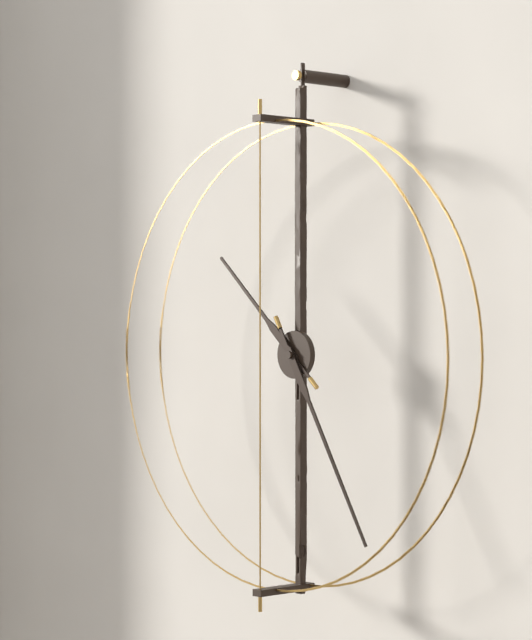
{"hour": 10, "minute": 25}
